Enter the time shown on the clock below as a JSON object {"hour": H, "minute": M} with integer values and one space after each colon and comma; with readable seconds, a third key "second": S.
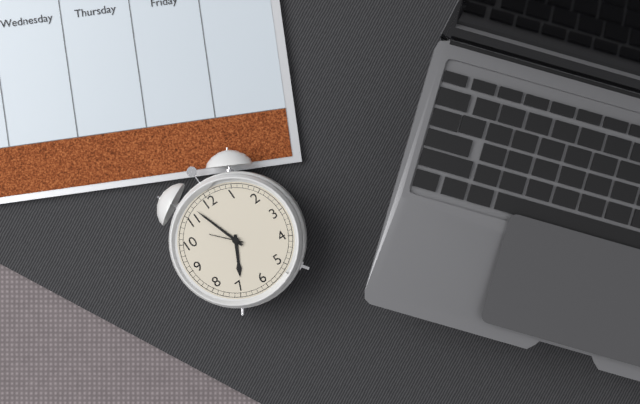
{"hour": 6, "minute": 57}
